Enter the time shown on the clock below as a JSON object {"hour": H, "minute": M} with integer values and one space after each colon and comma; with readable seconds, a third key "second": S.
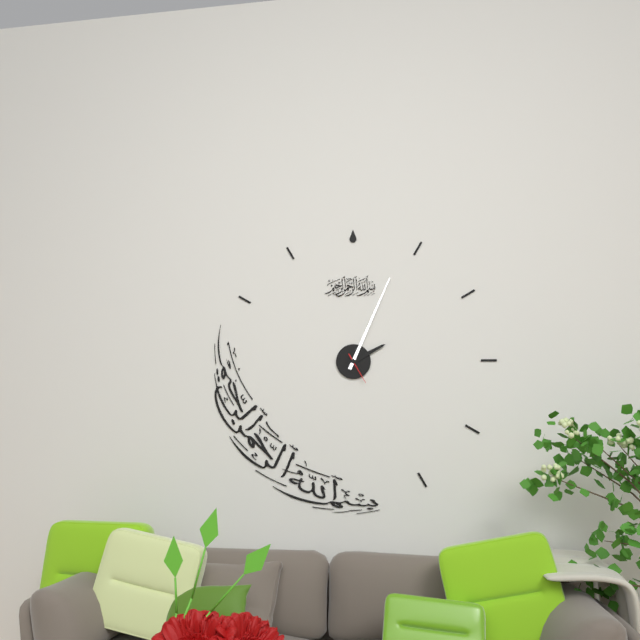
{"hour": 2, "minute": 4}
